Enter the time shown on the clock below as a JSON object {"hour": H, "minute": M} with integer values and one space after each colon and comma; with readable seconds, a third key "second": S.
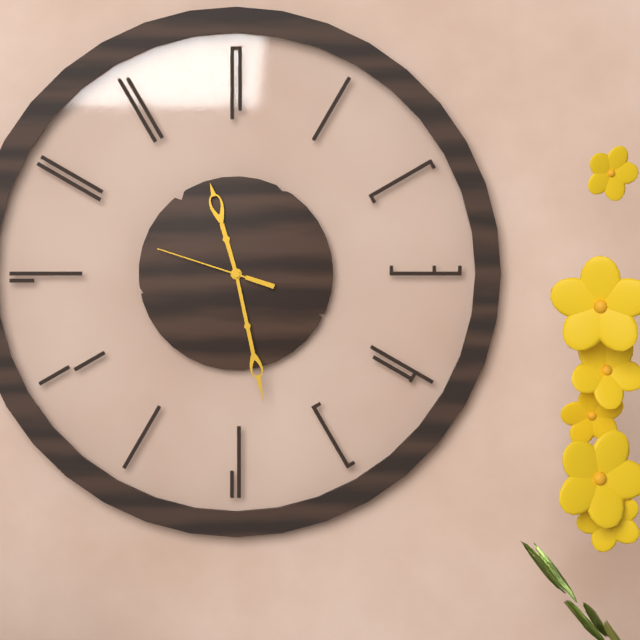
{"hour": 11, "minute": 28, "second": 48}
